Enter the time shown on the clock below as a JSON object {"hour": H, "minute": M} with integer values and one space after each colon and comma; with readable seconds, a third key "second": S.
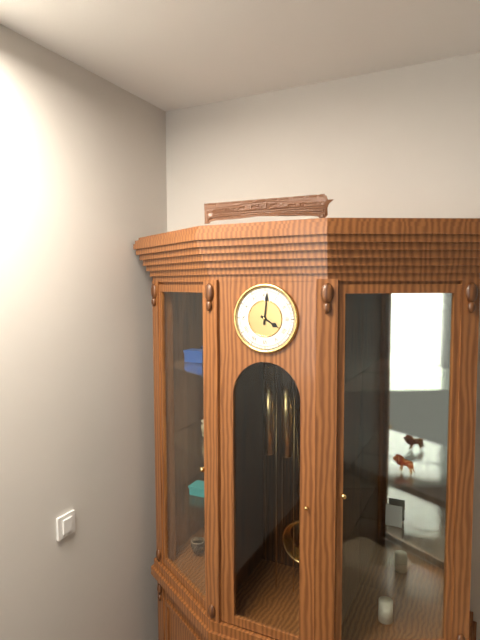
{"hour": 4, "minute": 1}
